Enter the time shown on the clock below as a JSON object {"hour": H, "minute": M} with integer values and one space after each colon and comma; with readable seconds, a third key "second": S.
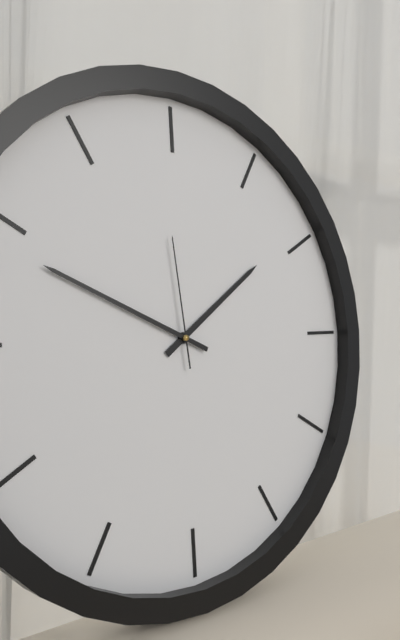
{"hour": 1, "minute": 49, "second": 59}
